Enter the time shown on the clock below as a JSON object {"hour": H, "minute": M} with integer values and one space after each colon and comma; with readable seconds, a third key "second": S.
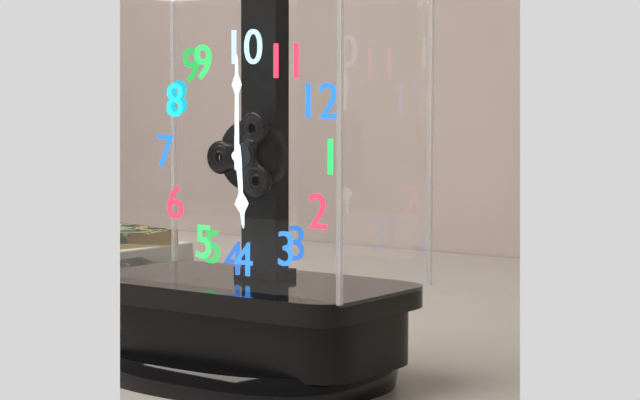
{"hour": 3, "minute": 50}
